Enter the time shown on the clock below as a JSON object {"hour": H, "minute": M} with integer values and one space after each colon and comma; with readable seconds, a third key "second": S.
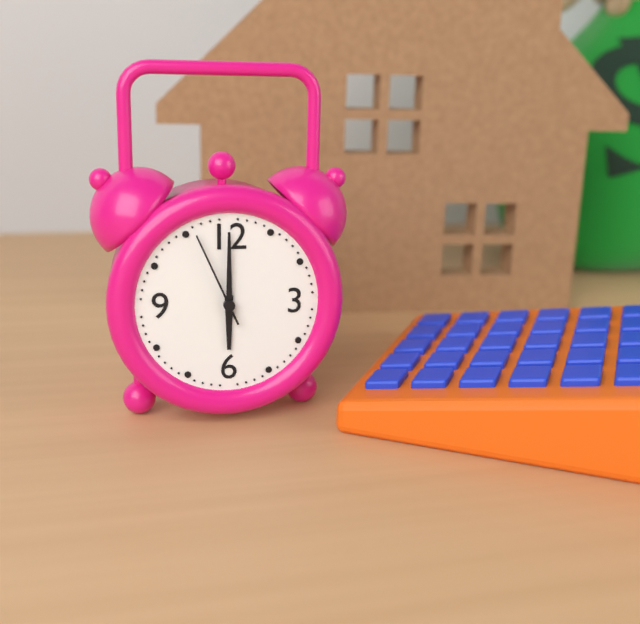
{"hour": 6, "minute": 0, "second": 56}
